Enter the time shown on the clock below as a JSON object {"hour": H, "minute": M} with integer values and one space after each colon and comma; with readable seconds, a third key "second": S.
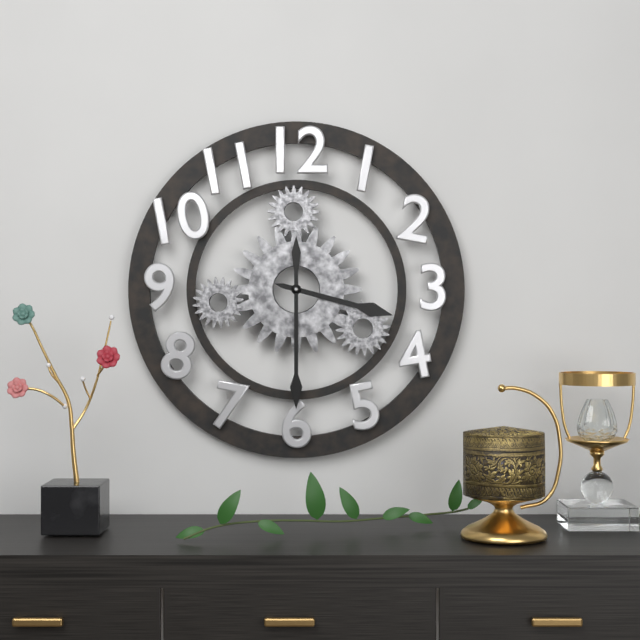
{"hour": 3, "minute": 30}
